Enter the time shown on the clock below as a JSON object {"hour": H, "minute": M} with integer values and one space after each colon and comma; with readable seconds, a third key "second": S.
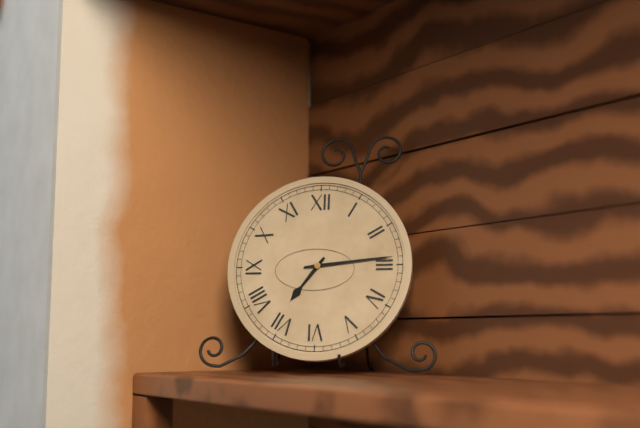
{"hour": 7, "minute": 14}
